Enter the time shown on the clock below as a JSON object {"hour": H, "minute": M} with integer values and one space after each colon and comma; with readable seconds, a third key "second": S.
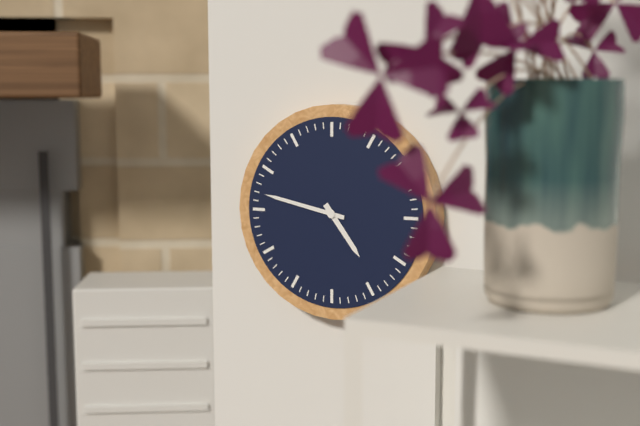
{"hour": 4, "minute": 47}
